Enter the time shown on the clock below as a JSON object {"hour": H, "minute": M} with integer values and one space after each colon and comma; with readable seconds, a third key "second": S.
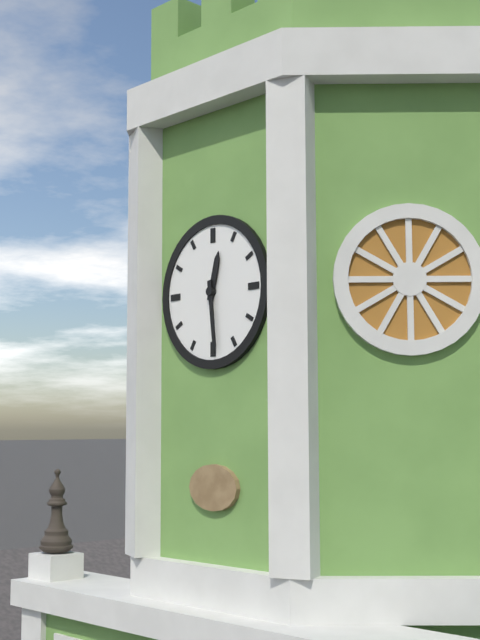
{"hour": 12, "minute": 29}
